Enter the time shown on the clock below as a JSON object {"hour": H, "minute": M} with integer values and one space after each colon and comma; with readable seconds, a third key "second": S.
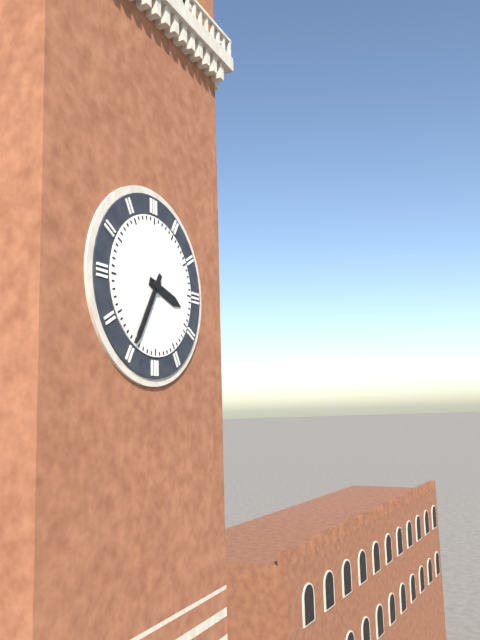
{"hour": 3, "minute": 35}
